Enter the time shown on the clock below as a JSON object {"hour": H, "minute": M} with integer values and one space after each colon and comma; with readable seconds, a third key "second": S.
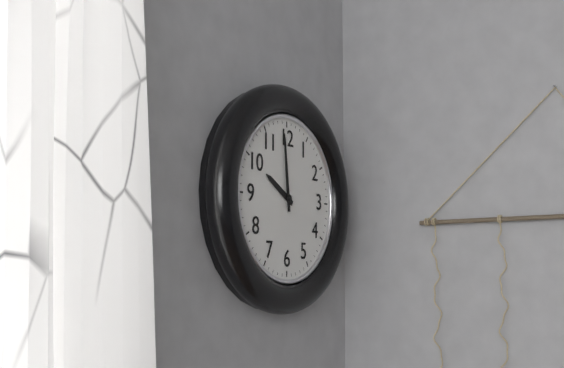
{"hour": 9, "minute": 59}
